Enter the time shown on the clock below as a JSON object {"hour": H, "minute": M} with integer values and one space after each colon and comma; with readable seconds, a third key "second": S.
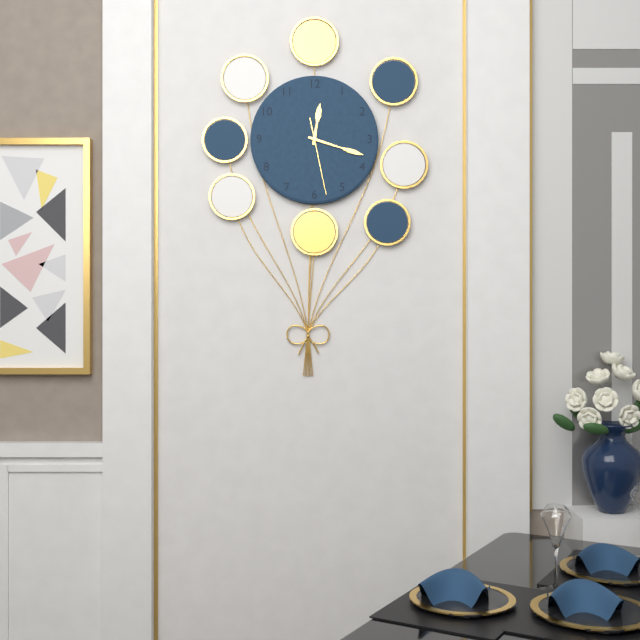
{"hour": 12, "minute": 18, "second": 28}
